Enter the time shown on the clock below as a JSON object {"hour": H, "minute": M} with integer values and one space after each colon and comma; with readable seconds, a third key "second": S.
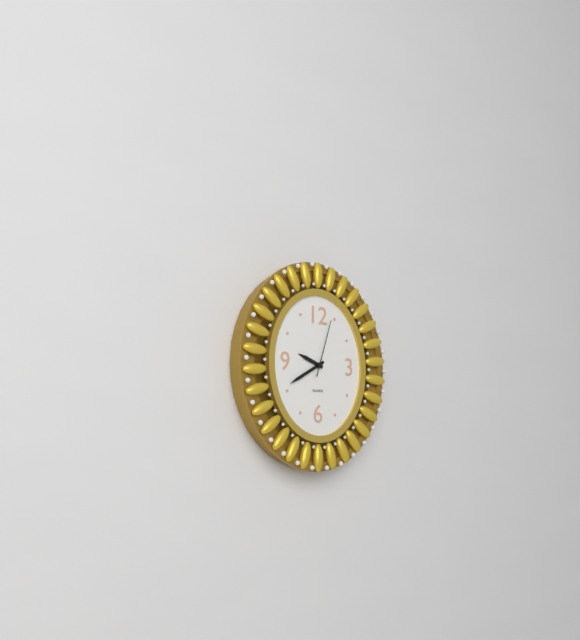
{"hour": 9, "minute": 40, "second": 3}
